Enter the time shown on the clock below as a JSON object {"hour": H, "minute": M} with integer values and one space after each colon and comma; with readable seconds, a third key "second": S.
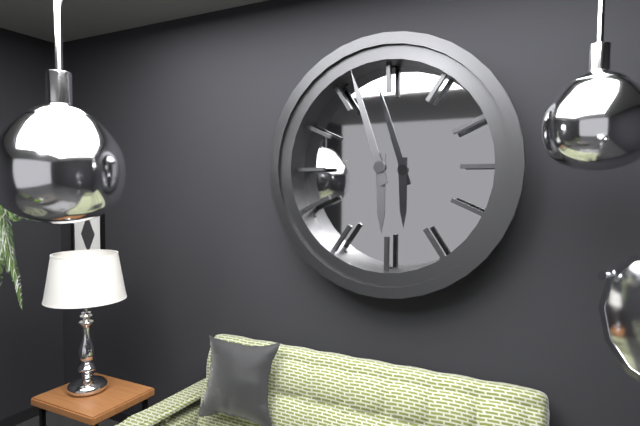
{"hour": 5, "minute": 57}
